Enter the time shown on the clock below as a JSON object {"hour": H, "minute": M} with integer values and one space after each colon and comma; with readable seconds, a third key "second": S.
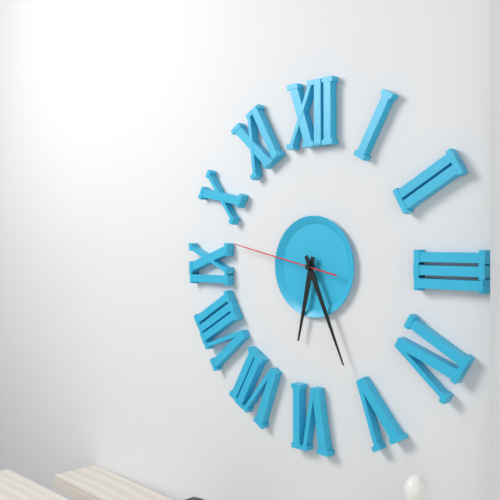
{"hour": 6, "minute": 26, "second": 47}
